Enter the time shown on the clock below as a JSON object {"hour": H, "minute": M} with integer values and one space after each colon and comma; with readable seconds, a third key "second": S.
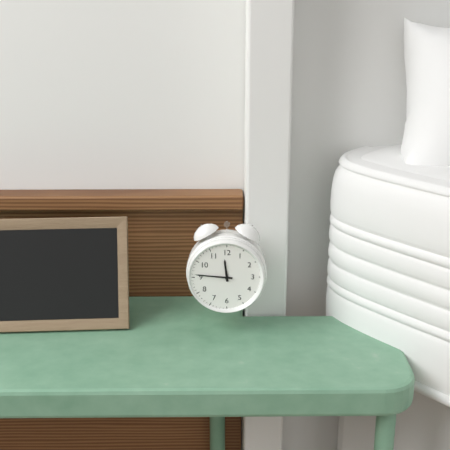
{"hour": 11, "minute": 46}
